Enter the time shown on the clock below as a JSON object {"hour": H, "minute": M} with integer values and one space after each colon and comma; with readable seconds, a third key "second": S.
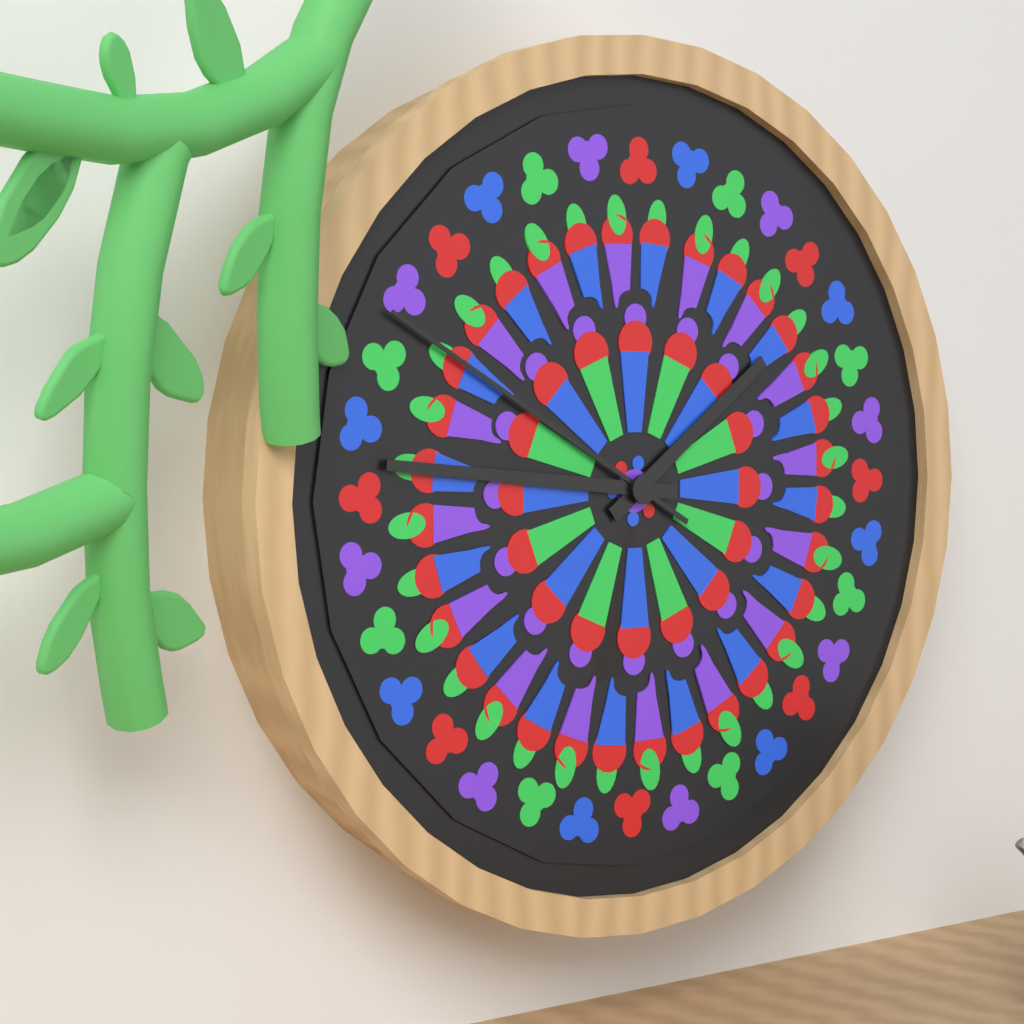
{"hour": 1, "minute": 46, "second": 50}
